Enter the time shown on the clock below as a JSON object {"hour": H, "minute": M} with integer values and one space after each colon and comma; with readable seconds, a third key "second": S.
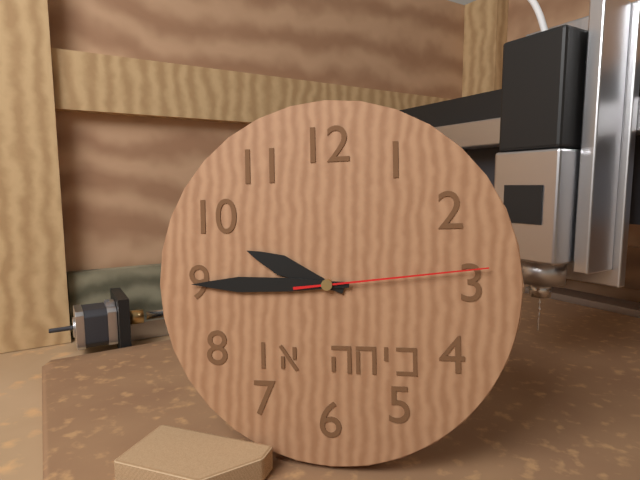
{"hour": 9, "minute": 45, "second": 14}
